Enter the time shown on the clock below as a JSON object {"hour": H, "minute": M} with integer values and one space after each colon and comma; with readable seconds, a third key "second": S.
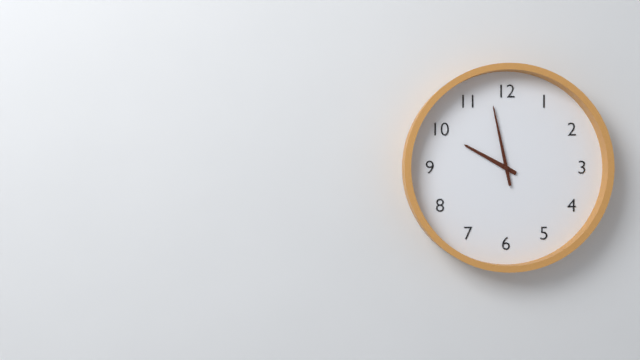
{"hour": 9, "minute": 58}
